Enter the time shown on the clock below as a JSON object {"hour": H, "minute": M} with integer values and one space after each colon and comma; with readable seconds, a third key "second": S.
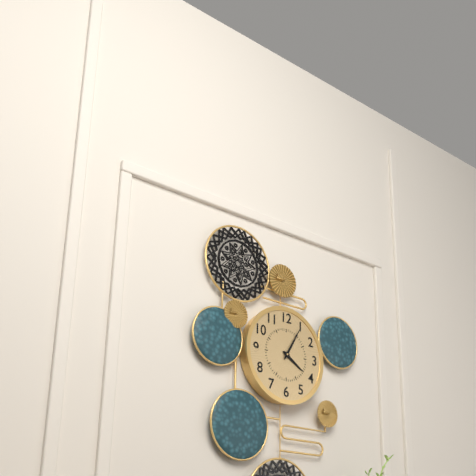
{"hour": 4, "minute": 5}
